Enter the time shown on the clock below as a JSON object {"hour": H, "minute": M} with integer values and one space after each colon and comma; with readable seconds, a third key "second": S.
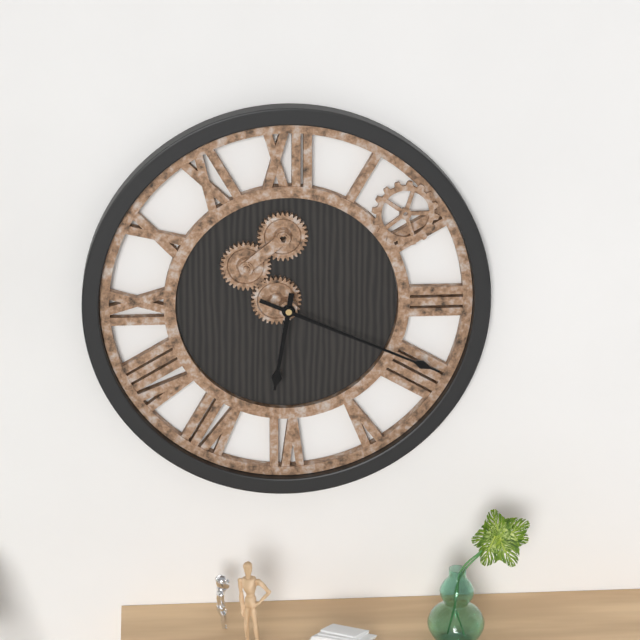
{"hour": 6, "minute": 19}
